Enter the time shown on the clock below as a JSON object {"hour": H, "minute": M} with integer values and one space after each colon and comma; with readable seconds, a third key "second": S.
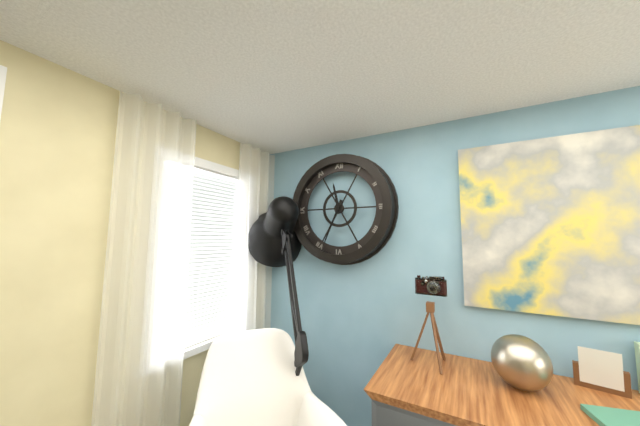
{"hour": 11, "minute": 34}
